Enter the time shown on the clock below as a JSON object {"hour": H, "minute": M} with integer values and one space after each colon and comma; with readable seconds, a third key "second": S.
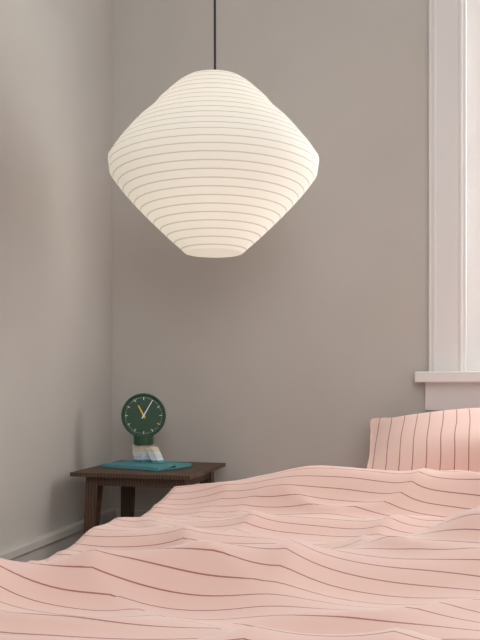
{"hour": 11, "minute": 5}
